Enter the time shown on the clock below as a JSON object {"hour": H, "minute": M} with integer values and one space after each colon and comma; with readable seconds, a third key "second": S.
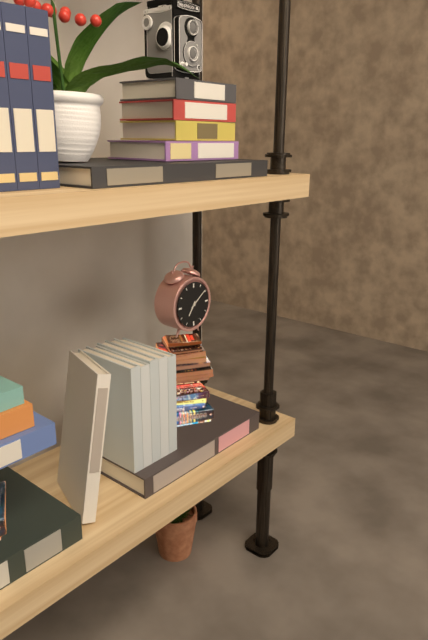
{"hour": 7, "minute": 9}
